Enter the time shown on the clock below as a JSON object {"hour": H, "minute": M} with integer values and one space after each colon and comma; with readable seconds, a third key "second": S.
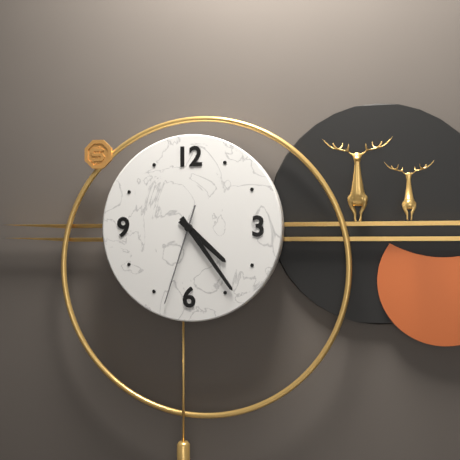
{"hour": 4, "minute": 24, "second": 33}
